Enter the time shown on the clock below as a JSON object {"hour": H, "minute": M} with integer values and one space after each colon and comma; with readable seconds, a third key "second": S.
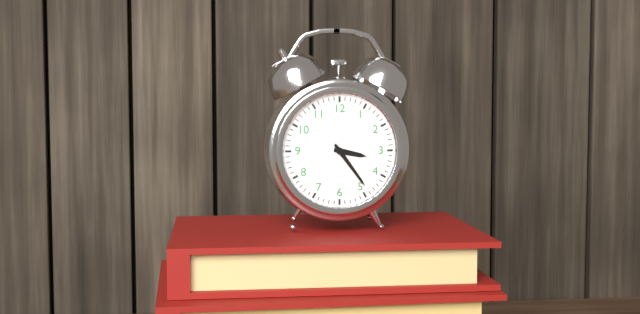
{"hour": 3, "minute": 24}
